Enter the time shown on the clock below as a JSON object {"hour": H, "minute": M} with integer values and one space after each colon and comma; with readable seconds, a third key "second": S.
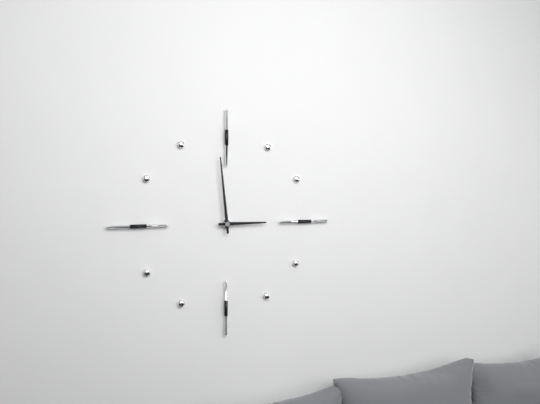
{"hour": 2, "minute": 59}
